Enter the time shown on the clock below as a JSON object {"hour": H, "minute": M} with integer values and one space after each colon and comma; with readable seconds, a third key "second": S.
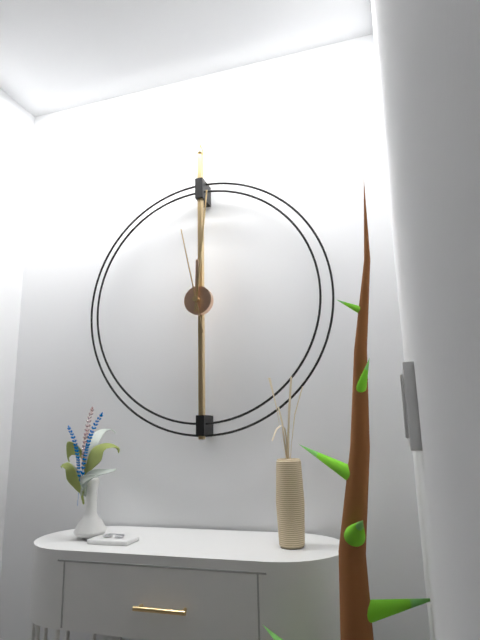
{"hour": 12, "minute": 1, "second": 58}
